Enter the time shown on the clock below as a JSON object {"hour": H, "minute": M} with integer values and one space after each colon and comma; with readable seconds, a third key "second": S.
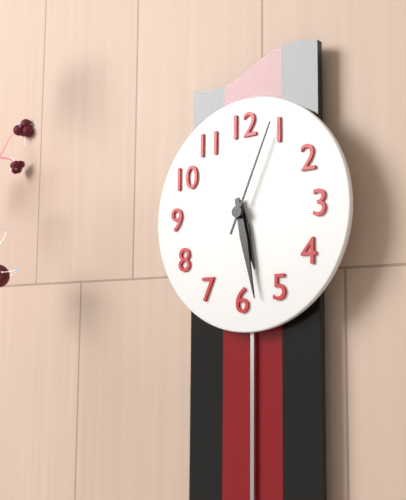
{"hour": 5, "minute": 28, "second": 4}
